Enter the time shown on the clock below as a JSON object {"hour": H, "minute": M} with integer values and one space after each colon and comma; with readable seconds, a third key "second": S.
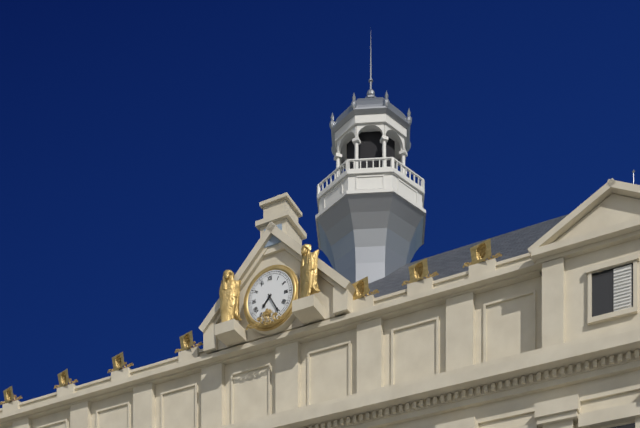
{"hour": 7, "minute": 25}
